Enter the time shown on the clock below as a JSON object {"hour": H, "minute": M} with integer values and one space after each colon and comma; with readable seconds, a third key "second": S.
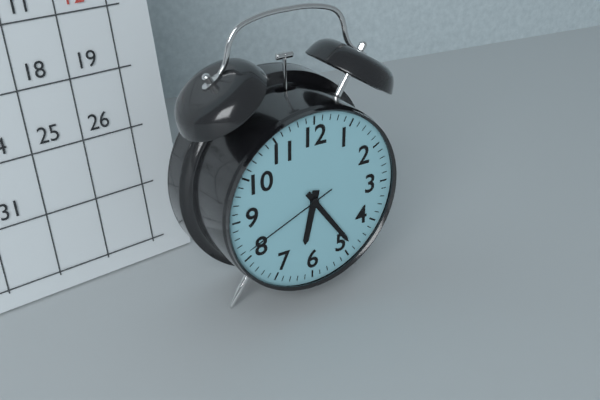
{"hour": 6, "minute": 24, "second": 41}
